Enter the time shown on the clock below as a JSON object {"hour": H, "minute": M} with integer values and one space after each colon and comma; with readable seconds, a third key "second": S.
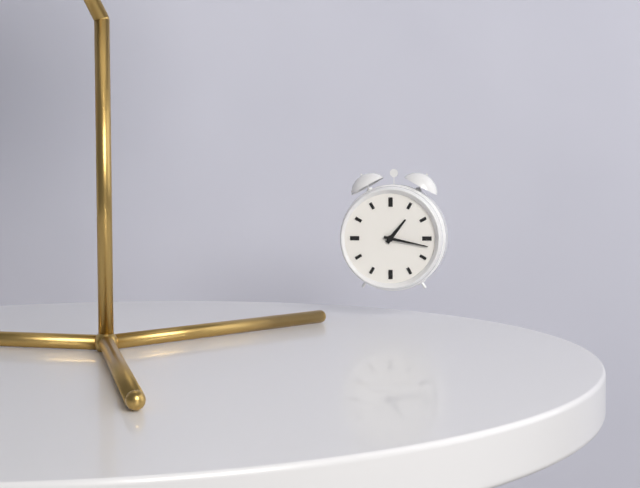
{"hour": 1, "minute": 17}
